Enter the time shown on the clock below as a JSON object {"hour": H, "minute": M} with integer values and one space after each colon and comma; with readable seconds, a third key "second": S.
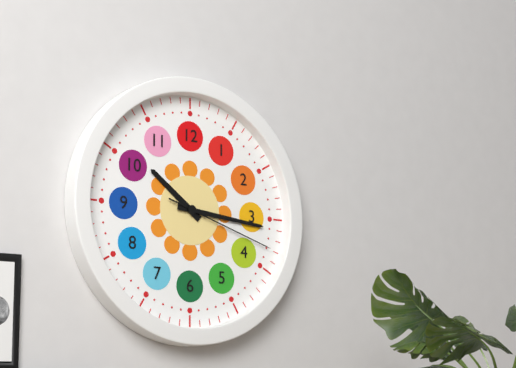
{"hour": 10, "minute": 16, "second": 18}
